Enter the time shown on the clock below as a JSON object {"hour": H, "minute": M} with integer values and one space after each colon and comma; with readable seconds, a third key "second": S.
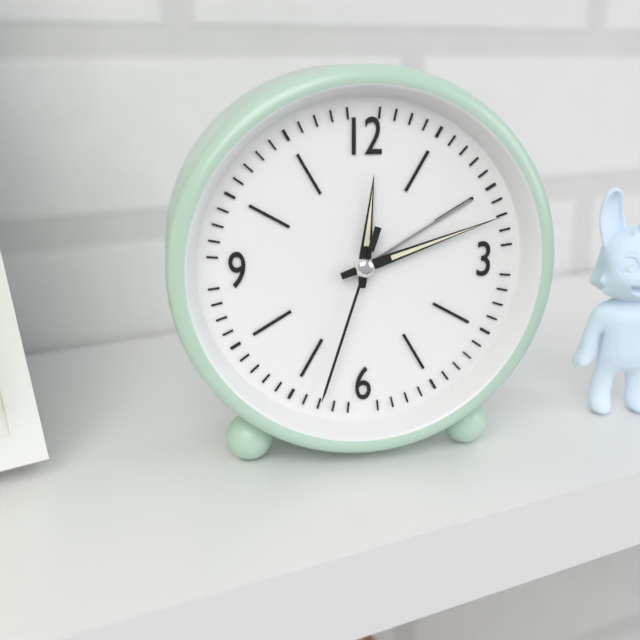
{"hour": 12, "minute": 12, "second": 33}
